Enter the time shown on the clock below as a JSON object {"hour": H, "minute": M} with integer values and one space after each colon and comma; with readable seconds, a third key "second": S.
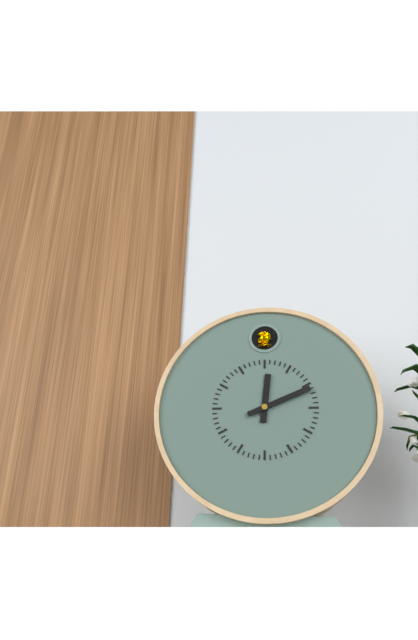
{"hour": 12, "minute": 11}
